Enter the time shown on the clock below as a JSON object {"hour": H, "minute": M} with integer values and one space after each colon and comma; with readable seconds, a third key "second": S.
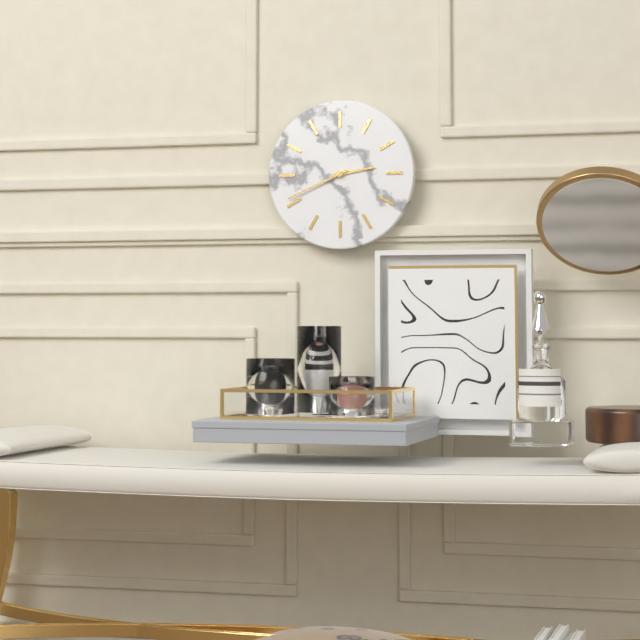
{"hour": 2, "minute": 41}
